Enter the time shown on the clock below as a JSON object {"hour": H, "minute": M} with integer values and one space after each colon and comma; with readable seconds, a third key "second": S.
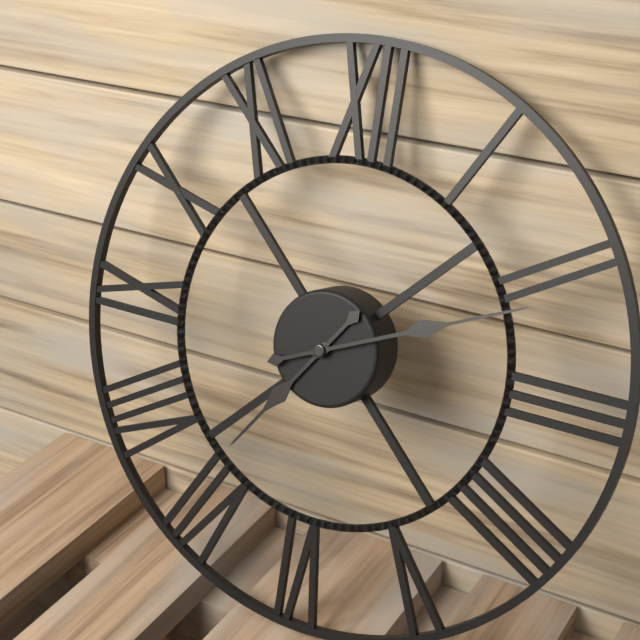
{"hour": 7, "minute": 11}
